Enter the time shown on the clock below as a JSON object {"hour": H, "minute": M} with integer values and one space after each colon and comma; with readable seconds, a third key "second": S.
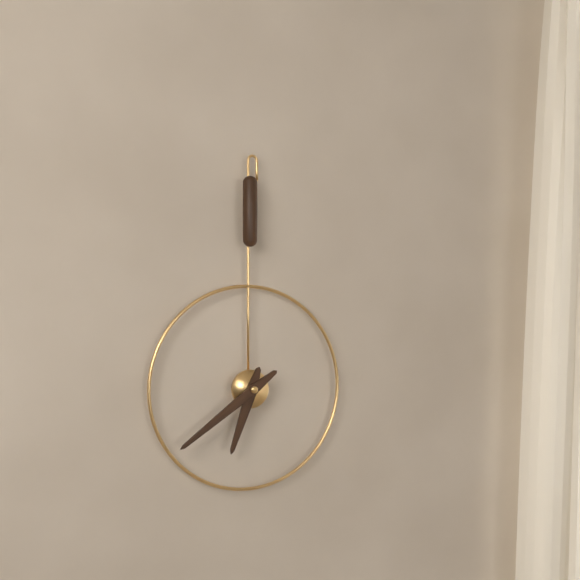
{"hour": 6, "minute": 39}
